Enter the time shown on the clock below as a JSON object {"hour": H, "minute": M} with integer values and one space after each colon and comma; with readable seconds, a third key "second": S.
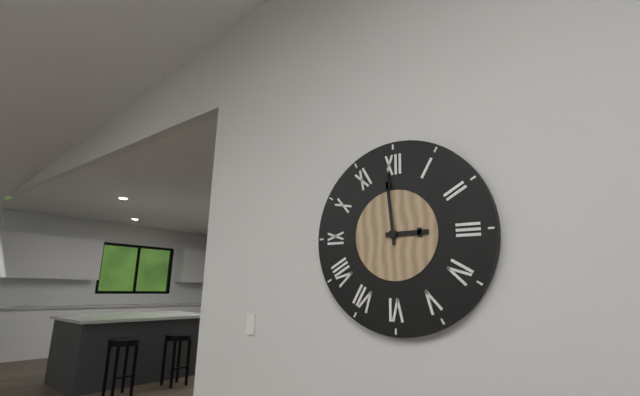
{"hour": 2, "minute": 59}
